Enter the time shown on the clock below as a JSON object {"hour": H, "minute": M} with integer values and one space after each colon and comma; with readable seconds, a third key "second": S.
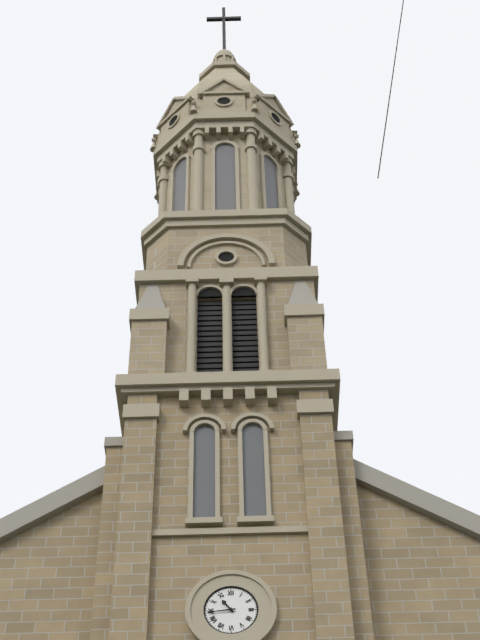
{"hour": 10, "minute": 44}
